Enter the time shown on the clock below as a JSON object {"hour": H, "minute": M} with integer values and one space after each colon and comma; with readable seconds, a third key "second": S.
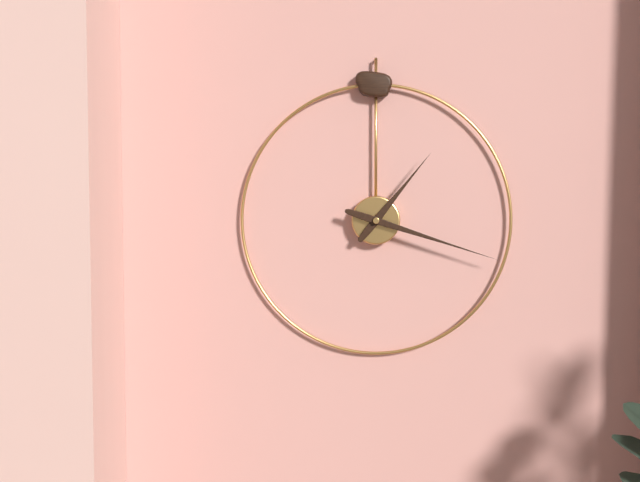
{"hour": 1, "minute": 18}
